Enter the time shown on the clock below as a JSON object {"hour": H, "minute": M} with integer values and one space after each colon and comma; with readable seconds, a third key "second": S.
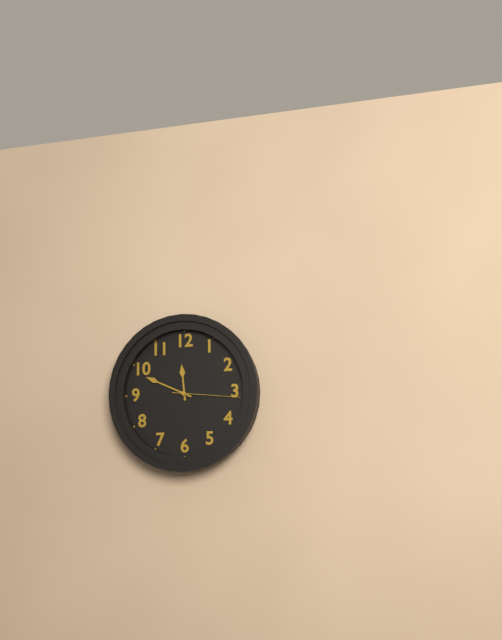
{"hour": 11, "minute": 49, "second": 16}
